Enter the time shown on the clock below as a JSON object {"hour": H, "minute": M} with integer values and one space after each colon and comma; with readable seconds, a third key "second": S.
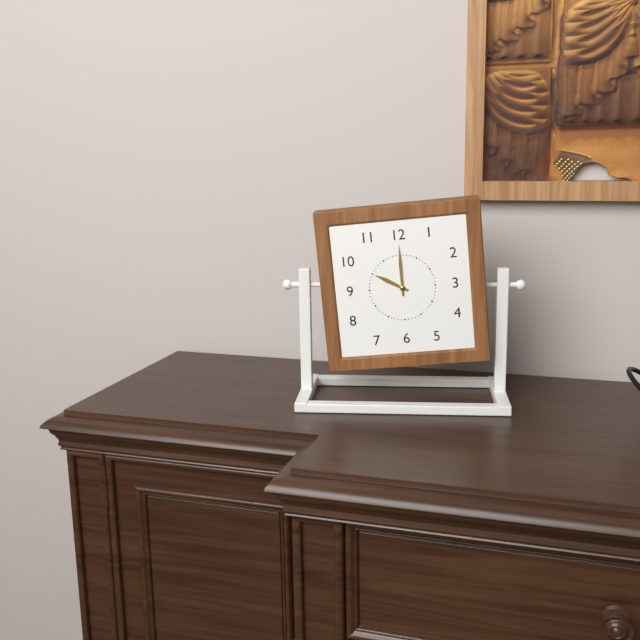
{"hour": 10, "minute": 0}
